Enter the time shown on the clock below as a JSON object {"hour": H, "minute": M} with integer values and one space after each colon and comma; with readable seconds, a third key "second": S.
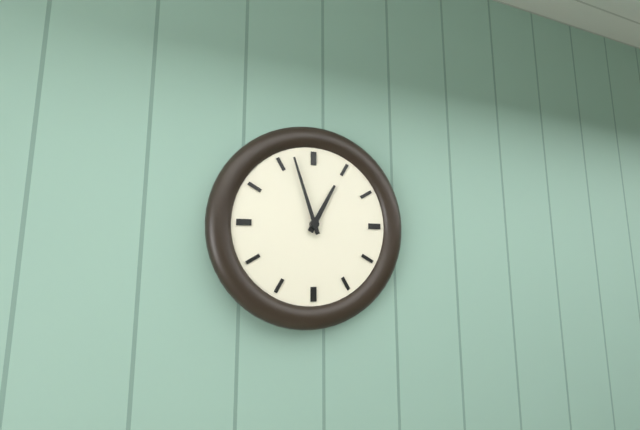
{"hour": 12, "minute": 57}
